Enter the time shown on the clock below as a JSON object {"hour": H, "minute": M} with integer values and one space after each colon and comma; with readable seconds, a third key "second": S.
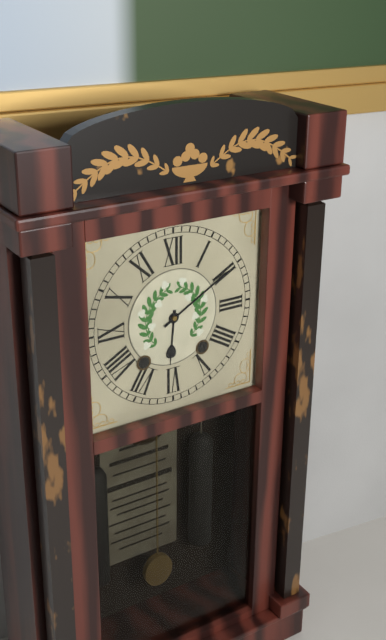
{"hour": 6, "minute": 10}
